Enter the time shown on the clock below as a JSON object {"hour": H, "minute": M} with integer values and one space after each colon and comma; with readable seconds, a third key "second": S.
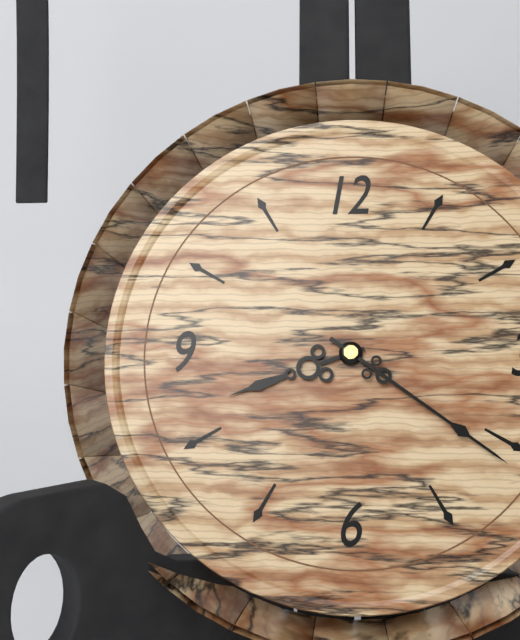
{"hour": 8, "minute": 21}
